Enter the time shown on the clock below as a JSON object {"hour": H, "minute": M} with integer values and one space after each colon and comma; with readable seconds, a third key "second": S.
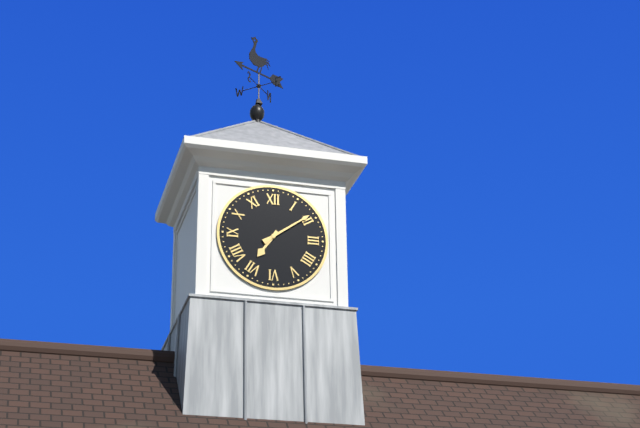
{"hour": 7, "minute": 9}
